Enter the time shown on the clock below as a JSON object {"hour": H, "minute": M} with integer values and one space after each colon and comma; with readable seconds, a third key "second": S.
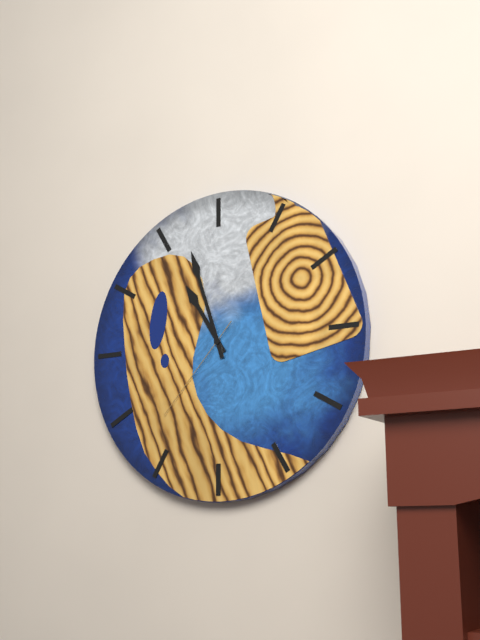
{"hour": 10, "minute": 57, "second": 37}
